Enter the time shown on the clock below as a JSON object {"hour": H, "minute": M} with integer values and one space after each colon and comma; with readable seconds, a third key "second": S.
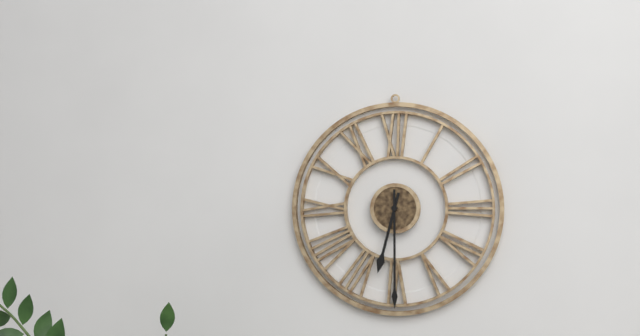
{"hour": 6, "minute": 30}
